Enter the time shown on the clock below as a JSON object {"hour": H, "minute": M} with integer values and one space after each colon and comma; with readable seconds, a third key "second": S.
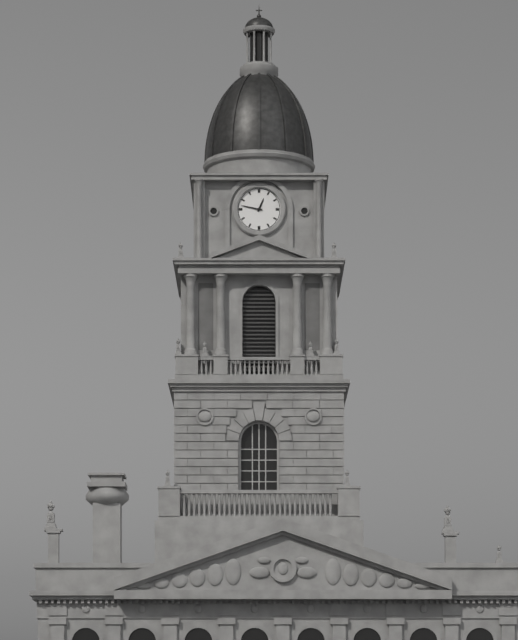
{"hour": 12, "minute": 47}
